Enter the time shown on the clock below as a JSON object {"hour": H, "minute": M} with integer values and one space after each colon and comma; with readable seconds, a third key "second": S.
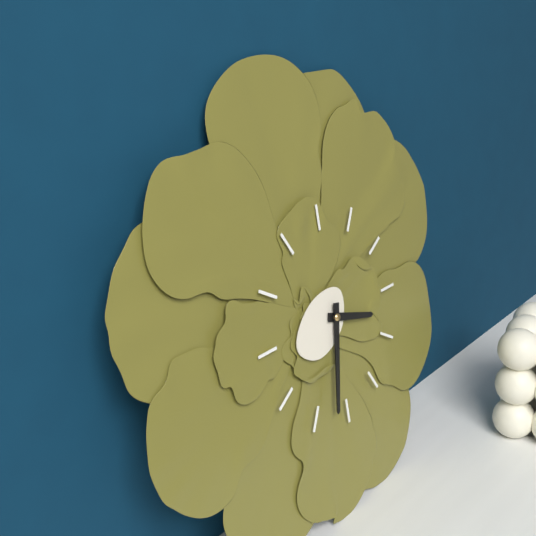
{"hour": 3, "minute": 32}
